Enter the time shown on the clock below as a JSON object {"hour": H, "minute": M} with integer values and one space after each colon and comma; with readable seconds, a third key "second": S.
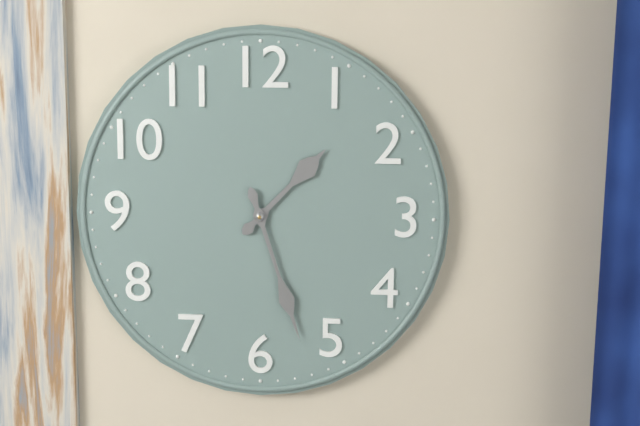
{"hour": 1, "minute": 27}
